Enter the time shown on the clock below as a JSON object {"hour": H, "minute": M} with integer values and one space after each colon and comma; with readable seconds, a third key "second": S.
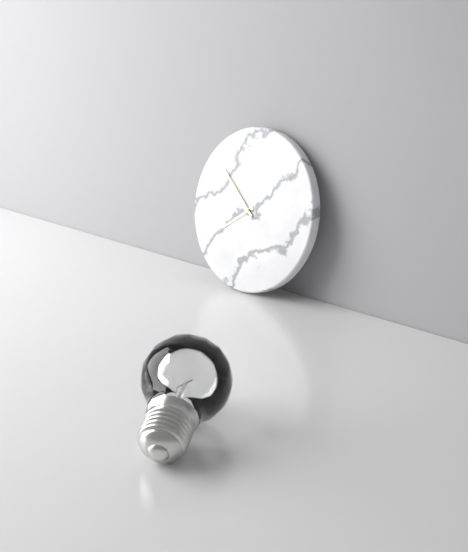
{"hour": 7, "minute": 52}
